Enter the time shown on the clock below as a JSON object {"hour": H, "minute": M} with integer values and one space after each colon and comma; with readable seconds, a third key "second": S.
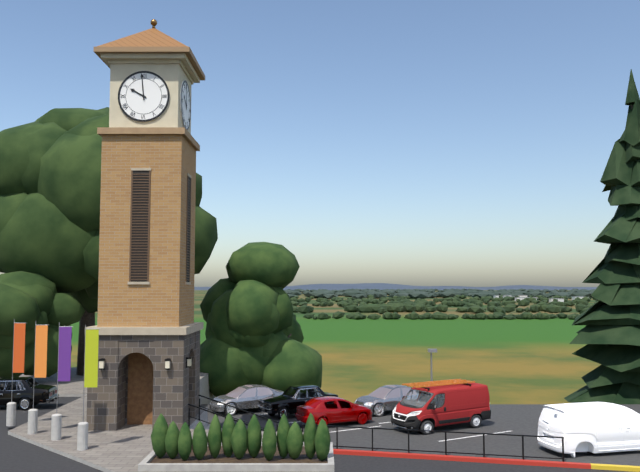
{"hour": 9, "minute": 59}
